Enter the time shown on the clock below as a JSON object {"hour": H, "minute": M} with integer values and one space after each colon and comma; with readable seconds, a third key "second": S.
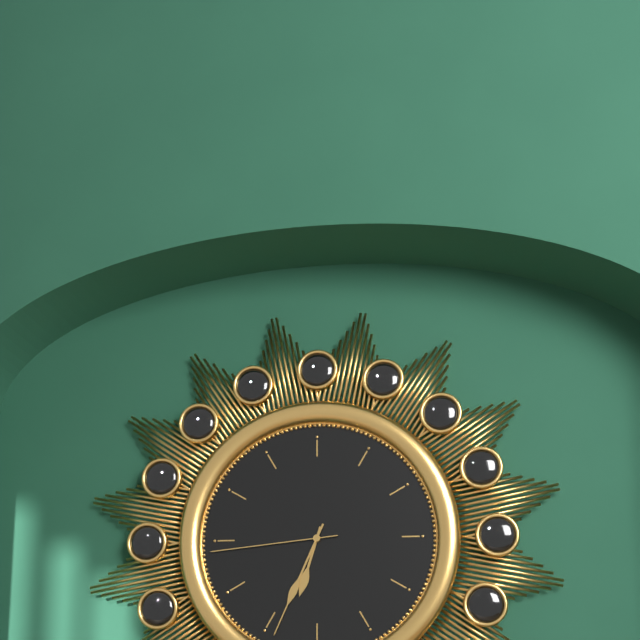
{"hour": 6, "minute": 34, "second": 44}
